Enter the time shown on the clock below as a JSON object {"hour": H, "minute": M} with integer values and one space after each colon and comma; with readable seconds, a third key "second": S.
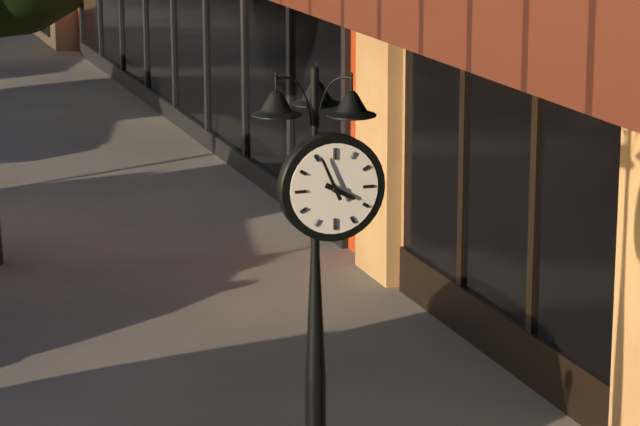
{"hour": 3, "minute": 56}
